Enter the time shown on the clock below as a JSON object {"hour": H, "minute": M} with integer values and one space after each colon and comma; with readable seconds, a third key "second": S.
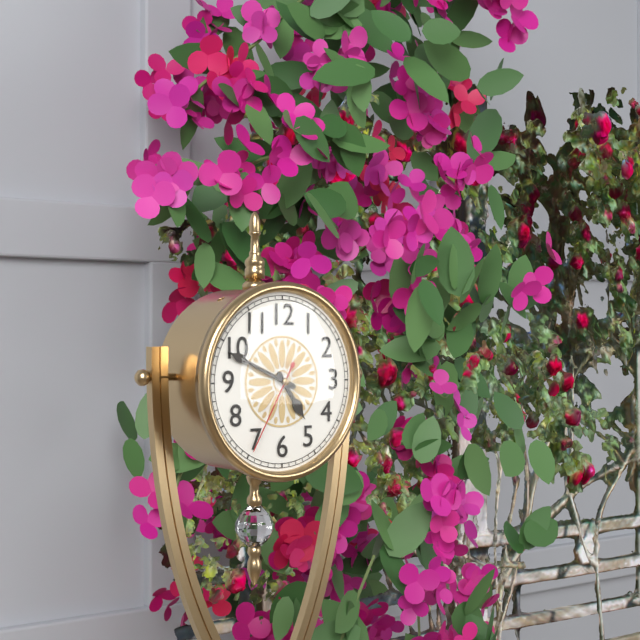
{"hour": 4, "minute": 49, "second": 35}
